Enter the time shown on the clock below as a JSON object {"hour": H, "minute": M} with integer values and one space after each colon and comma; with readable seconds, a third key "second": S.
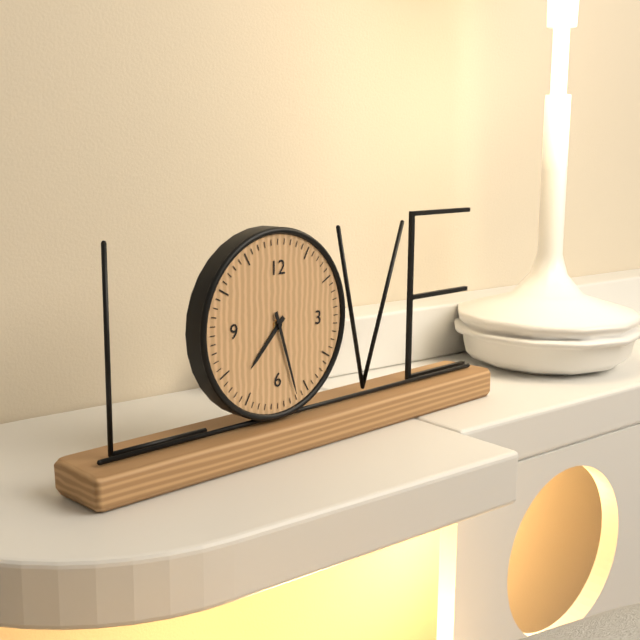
{"hour": 7, "minute": 27}
